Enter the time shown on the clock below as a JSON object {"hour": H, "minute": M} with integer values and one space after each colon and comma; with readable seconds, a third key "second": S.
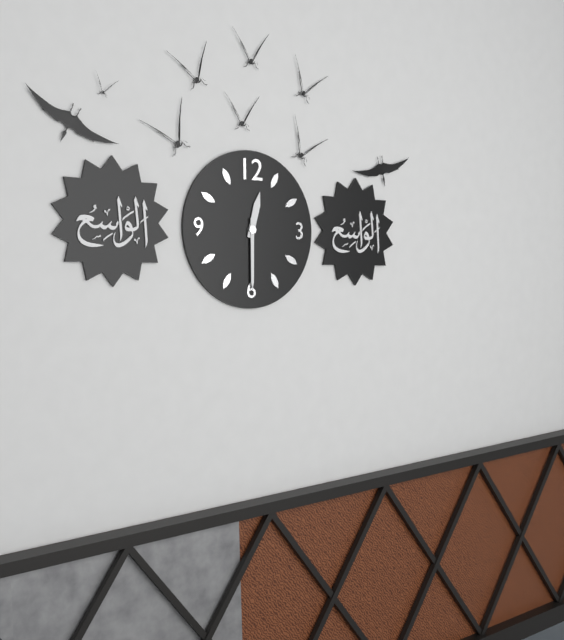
{"hour": 12, "minute": 30}
